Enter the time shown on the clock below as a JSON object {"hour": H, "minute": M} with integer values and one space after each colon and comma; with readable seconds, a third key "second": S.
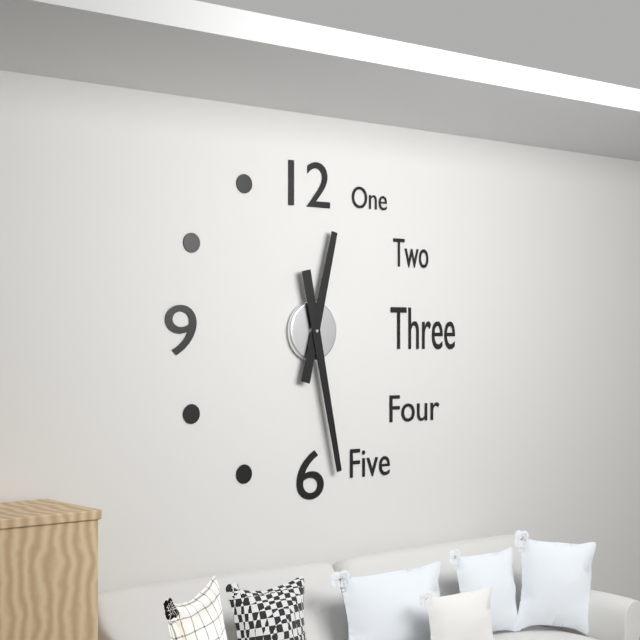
{"hour": 12, "minute": 28}
